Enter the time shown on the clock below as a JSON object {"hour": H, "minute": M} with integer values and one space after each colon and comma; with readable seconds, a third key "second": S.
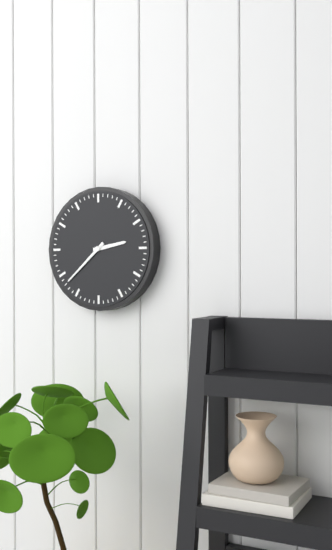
{"hour": 2, "minute": 38}
